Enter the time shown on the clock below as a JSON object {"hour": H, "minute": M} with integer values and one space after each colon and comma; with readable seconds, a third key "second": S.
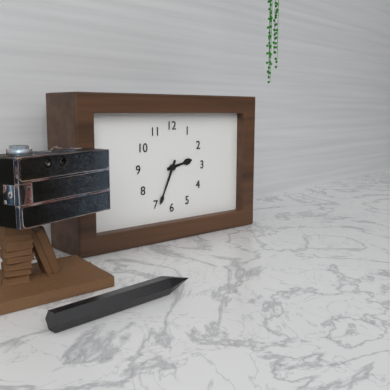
{"hour": 2, "minute": 34}
